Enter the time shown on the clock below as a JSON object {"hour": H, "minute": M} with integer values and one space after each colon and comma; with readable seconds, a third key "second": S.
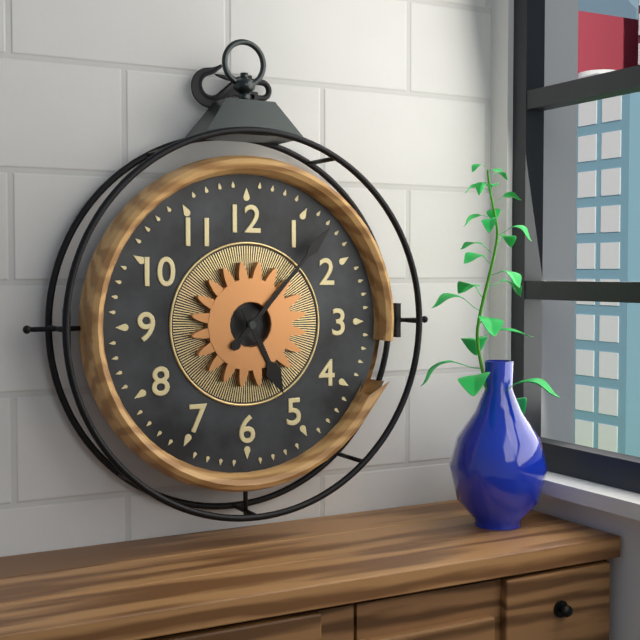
{"hour": 5, "minute": 7}
